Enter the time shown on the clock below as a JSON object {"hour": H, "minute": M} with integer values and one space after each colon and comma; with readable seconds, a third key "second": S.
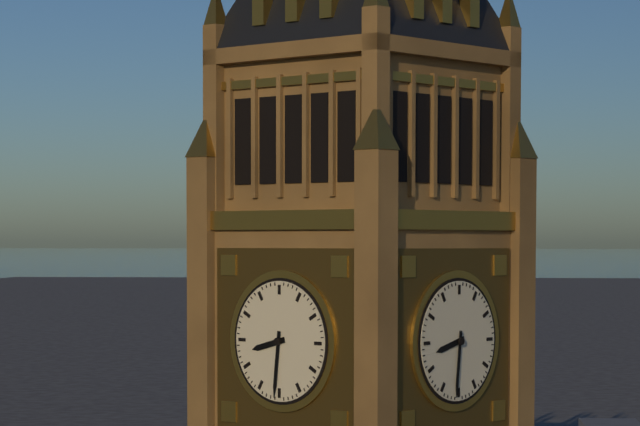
{"hour": 8, "minute": 31}
